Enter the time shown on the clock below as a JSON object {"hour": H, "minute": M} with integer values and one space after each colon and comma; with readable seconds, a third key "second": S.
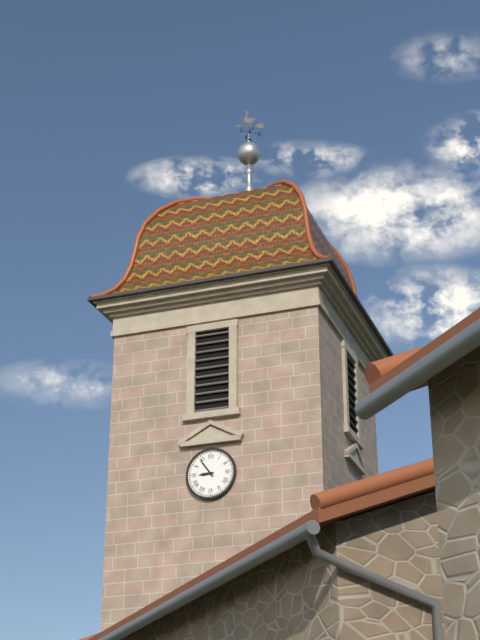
{"hour": 8, "minute": 54}
